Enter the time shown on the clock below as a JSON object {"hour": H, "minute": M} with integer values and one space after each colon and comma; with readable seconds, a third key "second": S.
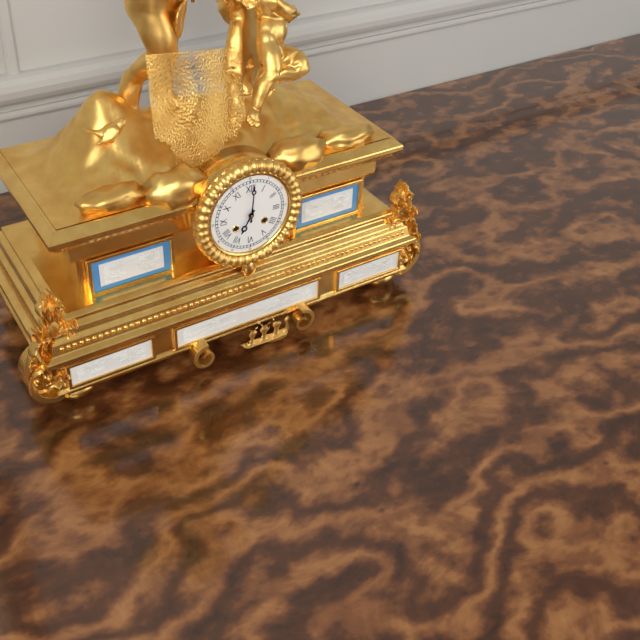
{"hour": 7, "minute": 1}
